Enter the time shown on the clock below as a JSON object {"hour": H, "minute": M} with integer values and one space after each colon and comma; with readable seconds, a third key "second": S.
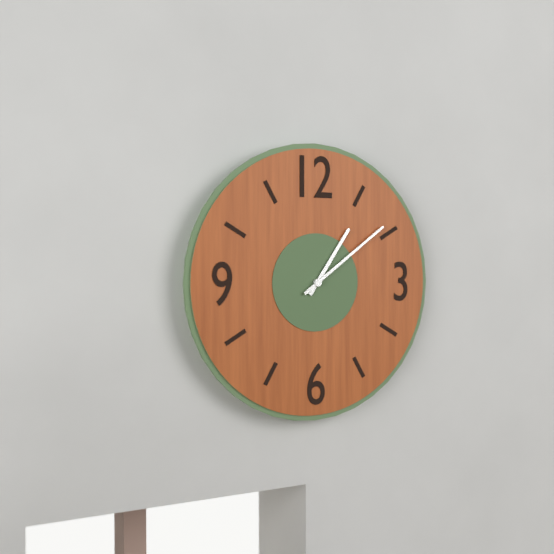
{"hour": 1, "minute": 9}
